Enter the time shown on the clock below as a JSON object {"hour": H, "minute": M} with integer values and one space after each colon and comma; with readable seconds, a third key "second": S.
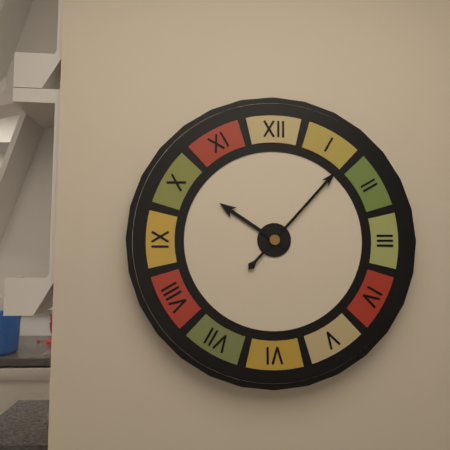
{"hour": 10, "minute": 7}
